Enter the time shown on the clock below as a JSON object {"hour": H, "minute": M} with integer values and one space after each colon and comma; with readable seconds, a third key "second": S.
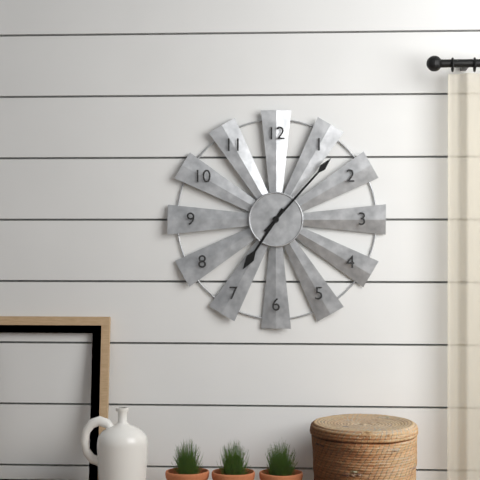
{"hour": 7, "minute": 7}
